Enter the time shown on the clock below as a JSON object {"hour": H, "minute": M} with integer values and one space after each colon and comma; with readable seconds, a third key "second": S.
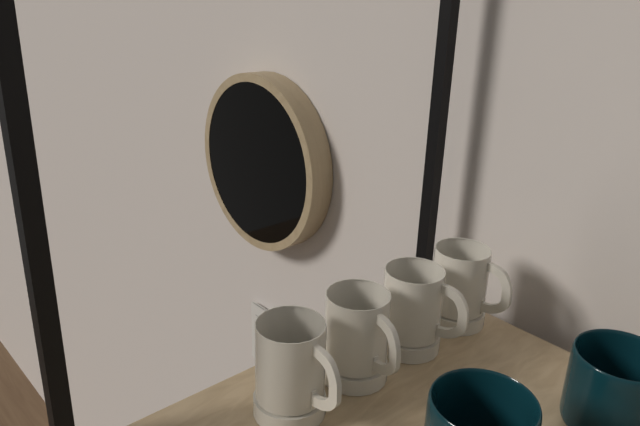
{"hour": 1, "minute": 24}
